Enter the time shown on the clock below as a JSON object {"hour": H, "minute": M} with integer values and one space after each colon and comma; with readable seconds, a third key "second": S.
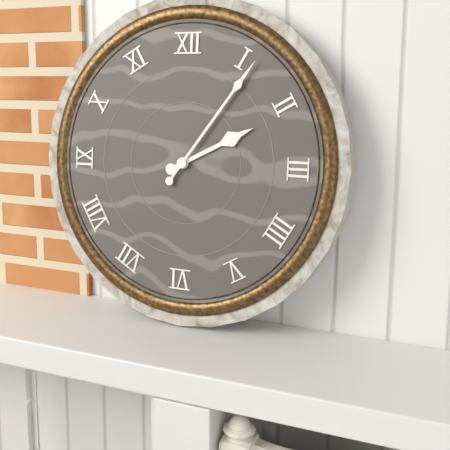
{"hour": 2, "minute": 6}
